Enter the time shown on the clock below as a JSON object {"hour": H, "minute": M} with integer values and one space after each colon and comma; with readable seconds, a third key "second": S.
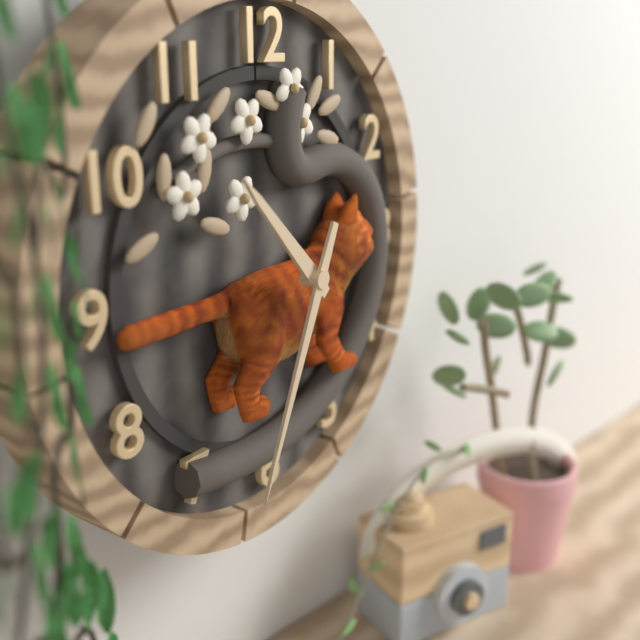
{"hour": 10, "minute": 34}
